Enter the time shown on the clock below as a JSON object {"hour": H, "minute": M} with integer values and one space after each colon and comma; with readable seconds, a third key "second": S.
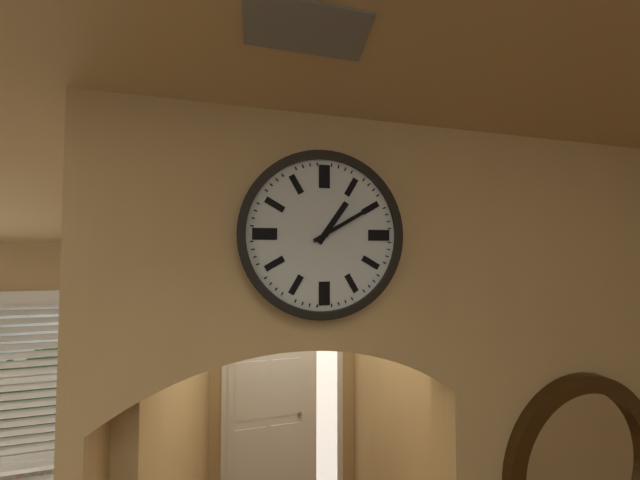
{"hour": 1, "minute": 10}
